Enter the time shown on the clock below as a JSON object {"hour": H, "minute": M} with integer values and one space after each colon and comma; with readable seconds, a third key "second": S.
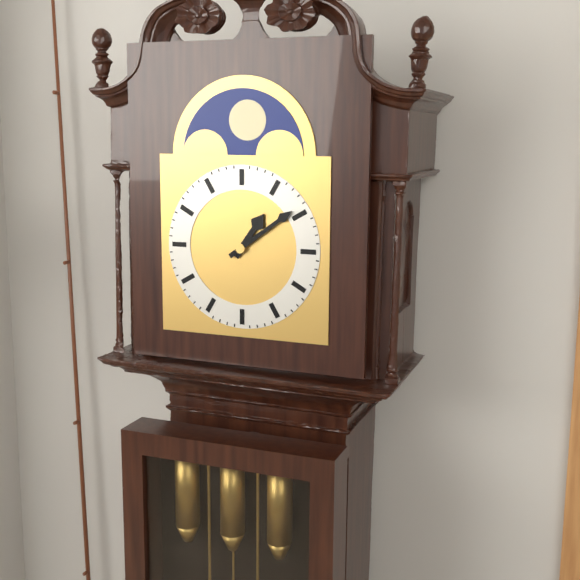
{"hour": 1, "minute": 9}
